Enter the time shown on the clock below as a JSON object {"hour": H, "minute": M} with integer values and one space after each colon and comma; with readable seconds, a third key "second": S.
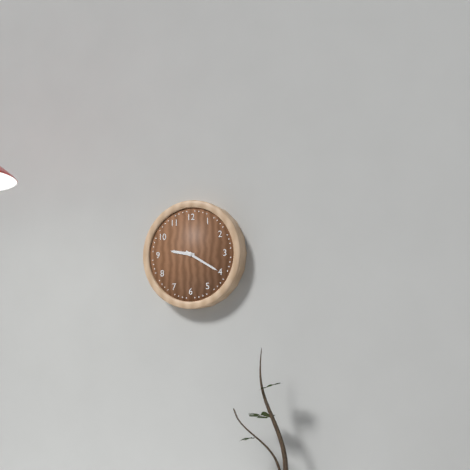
{"hour": 9, "minute": 20}
